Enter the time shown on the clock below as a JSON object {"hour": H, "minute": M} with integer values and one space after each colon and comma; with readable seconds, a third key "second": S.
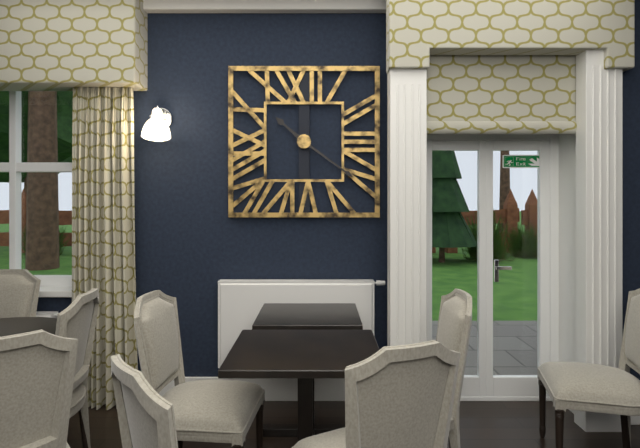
{"hour": 10, "minute": 21}
